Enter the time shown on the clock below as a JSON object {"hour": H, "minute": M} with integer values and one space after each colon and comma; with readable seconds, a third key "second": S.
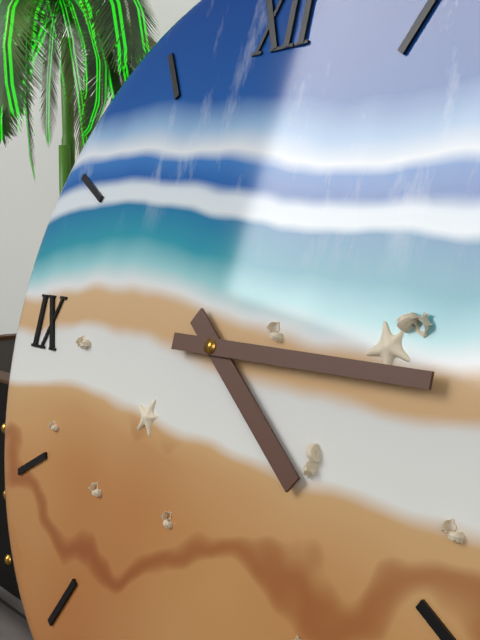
{"hour": 4, "minute": 15}
